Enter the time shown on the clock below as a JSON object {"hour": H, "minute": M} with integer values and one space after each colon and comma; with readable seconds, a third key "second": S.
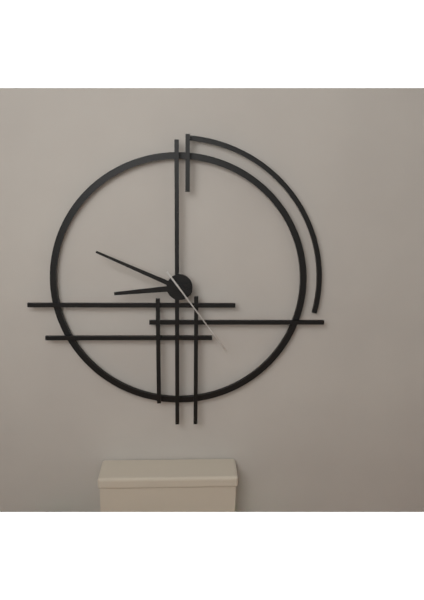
{"hour": 8, "minute": 49, "second": 24}
